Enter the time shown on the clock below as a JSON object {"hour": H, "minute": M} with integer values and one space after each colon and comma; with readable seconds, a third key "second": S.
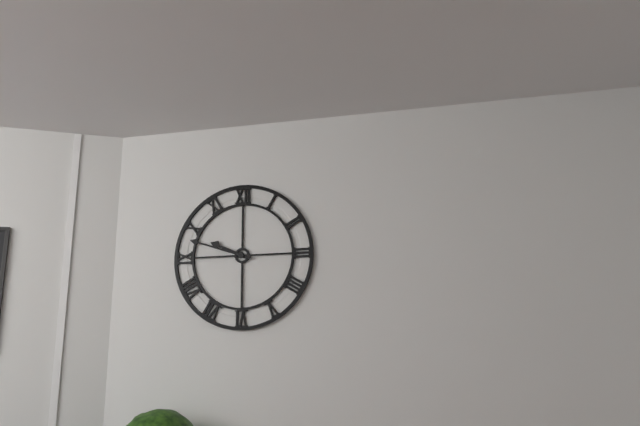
{"hour": 9, "minute": 48}
